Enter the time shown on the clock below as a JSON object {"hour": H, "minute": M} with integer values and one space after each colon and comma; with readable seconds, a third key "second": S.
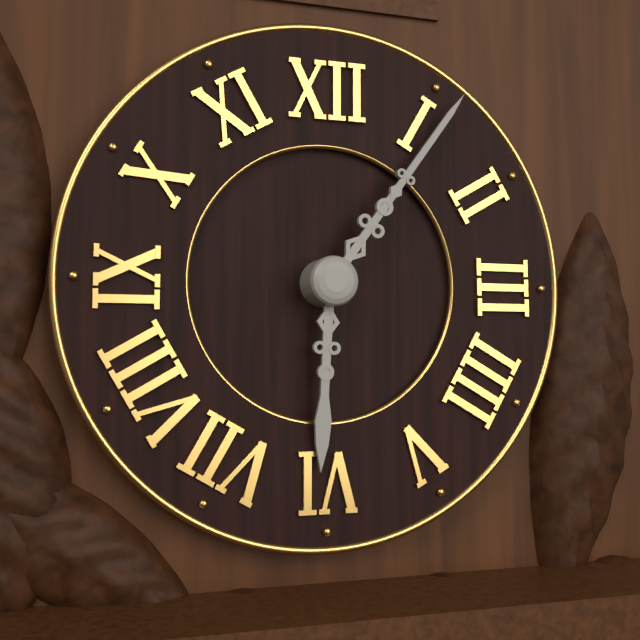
{"hour": 6, "minute": 6}
